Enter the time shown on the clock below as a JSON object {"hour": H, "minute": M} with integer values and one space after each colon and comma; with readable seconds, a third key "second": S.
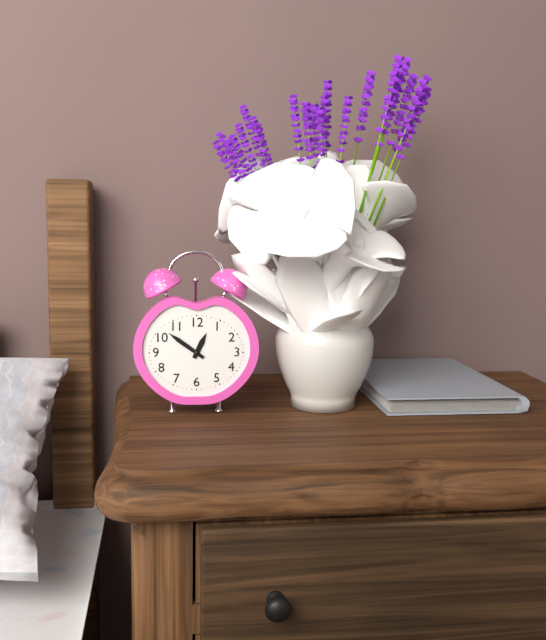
{"hour": 12, "minute": 51}
